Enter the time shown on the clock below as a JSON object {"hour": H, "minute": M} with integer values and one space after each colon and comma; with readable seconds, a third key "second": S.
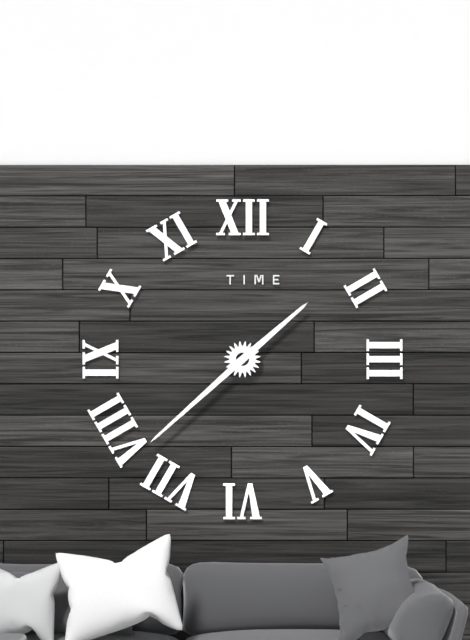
{"hour": 1, "minute": 38}
